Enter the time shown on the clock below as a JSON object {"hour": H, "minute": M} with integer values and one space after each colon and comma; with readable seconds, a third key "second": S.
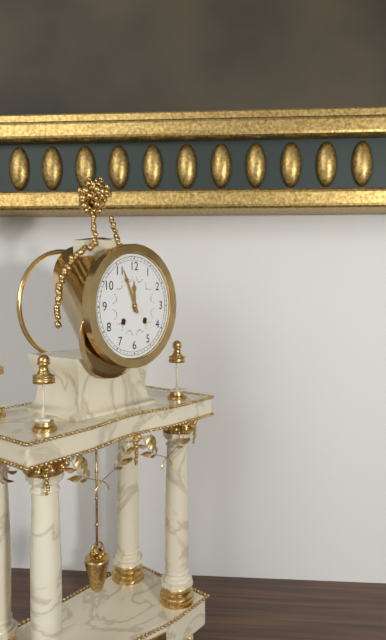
{"hour": 11, "minute": 56}
